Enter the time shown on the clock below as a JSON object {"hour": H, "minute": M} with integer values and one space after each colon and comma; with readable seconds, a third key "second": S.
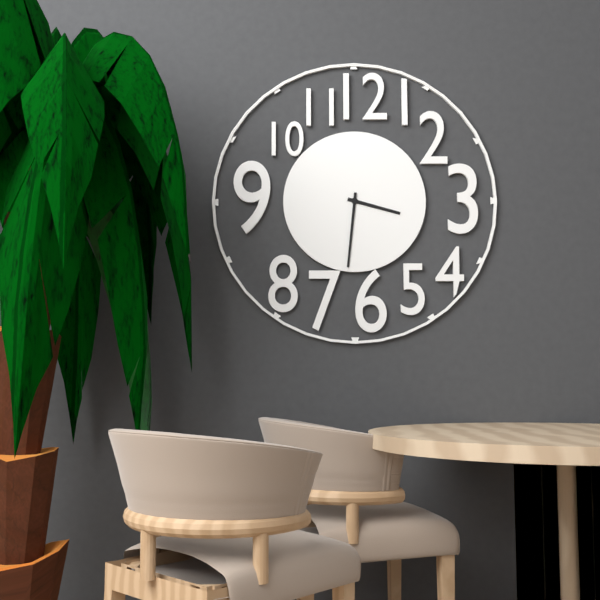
{"hour": 3, "minute": 31}
